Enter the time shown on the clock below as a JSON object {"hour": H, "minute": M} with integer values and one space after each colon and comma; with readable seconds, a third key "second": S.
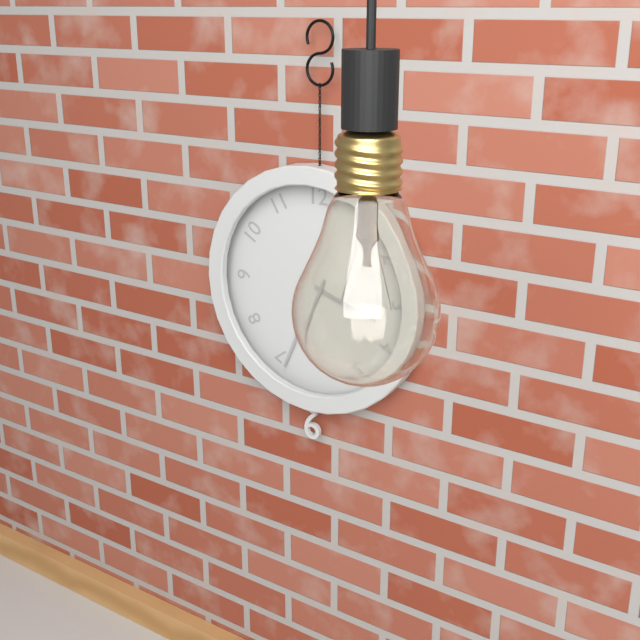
{"hour": 3, "minute": 34}
